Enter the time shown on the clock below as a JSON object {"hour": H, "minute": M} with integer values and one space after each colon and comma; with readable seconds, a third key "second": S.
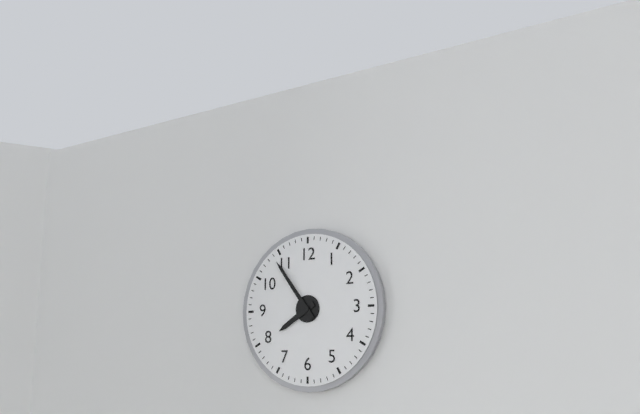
{"hour": 7, "minute": 54}
